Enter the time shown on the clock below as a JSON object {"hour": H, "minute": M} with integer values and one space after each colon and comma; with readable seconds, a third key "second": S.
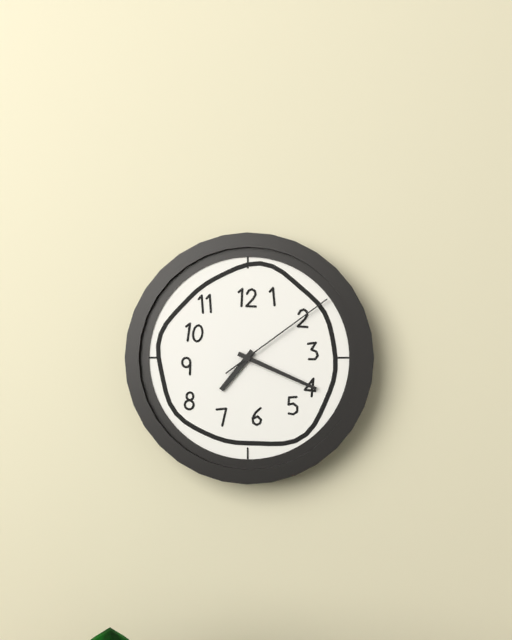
{"hour": 7, "minute": 19, "second": 9}
